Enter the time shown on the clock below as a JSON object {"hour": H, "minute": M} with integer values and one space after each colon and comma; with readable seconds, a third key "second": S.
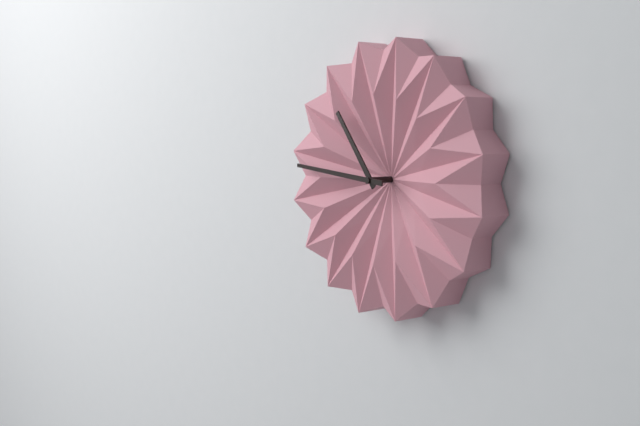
{"hour": 10, "minute": 46}
